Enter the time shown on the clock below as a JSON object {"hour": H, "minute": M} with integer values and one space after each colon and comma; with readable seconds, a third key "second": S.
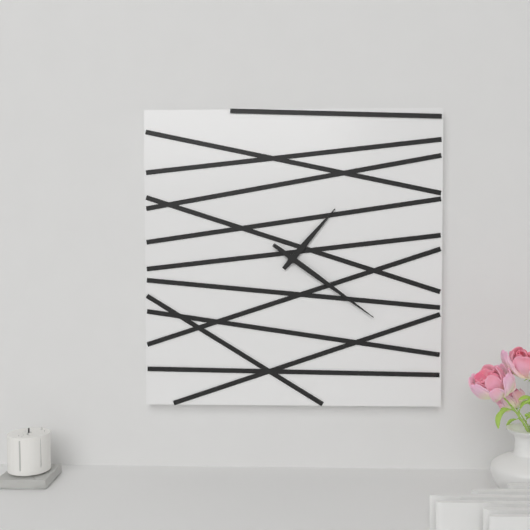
{"hour": 1, "minute": 21}
